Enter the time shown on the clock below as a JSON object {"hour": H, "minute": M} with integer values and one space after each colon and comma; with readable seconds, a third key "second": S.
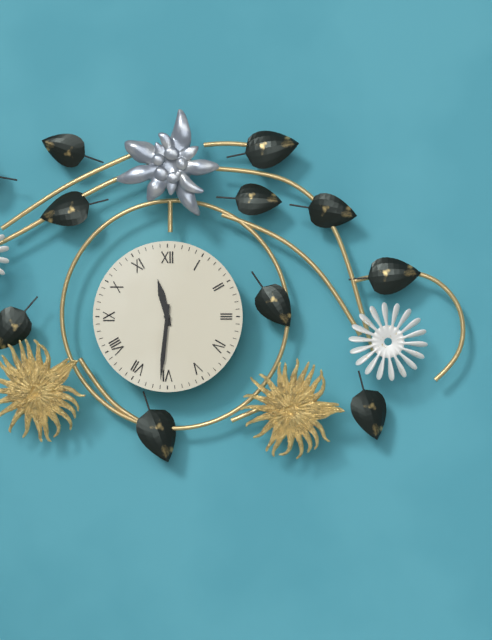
{"hour": 11, "minute": 31}
